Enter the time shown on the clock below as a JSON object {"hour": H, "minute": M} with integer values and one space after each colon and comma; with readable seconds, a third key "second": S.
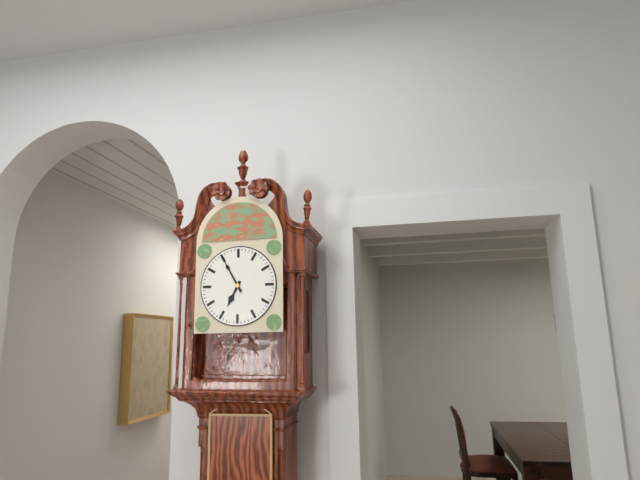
{"hour": 6, "minute": 55}
